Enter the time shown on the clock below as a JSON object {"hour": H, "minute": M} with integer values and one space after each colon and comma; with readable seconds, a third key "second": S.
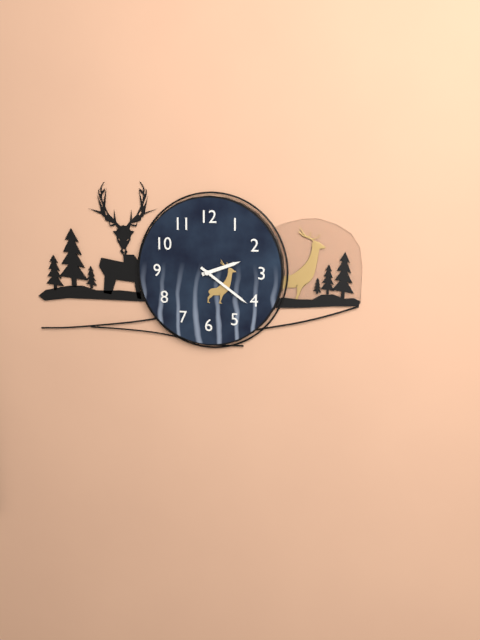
{"hour": 2, "minute": 21}
